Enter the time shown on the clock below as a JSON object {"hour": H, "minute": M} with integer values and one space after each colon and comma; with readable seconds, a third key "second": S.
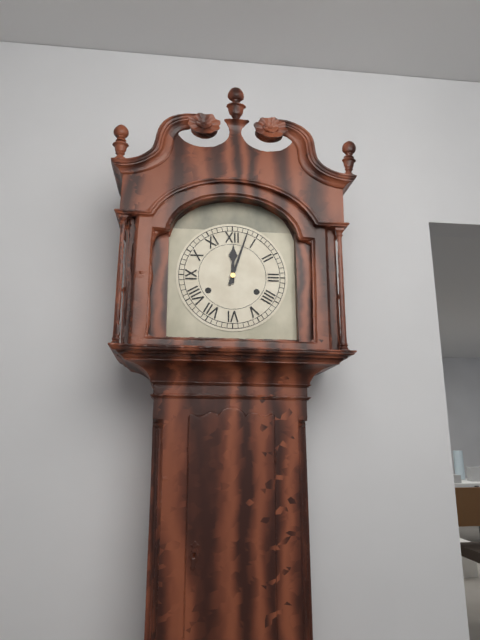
{"hour": 12, "minute": 3}
